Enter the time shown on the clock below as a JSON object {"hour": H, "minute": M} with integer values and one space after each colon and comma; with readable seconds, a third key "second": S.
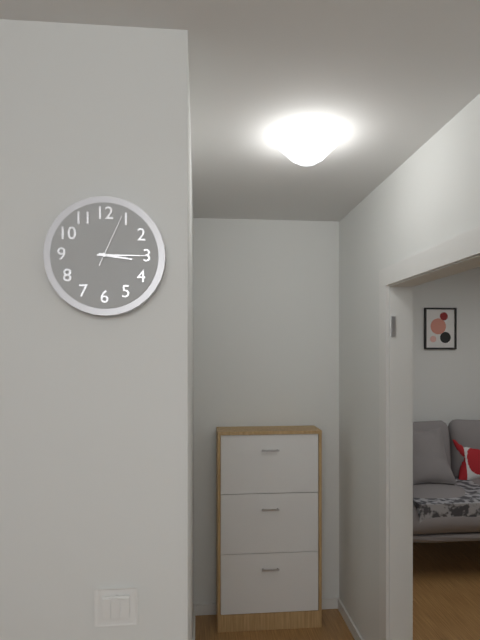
{"hour": 3, "minute": 15, "second": 4}
